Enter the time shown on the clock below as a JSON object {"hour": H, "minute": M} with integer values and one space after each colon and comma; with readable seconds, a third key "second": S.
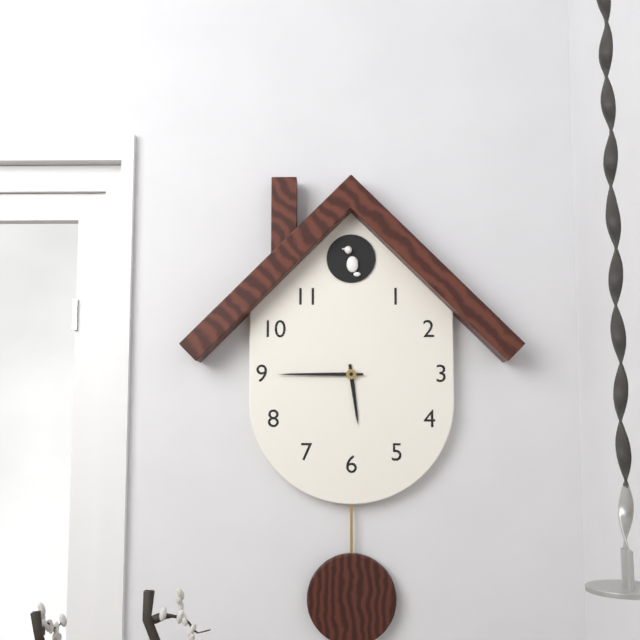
{"hour": 5, "minute": 45}
